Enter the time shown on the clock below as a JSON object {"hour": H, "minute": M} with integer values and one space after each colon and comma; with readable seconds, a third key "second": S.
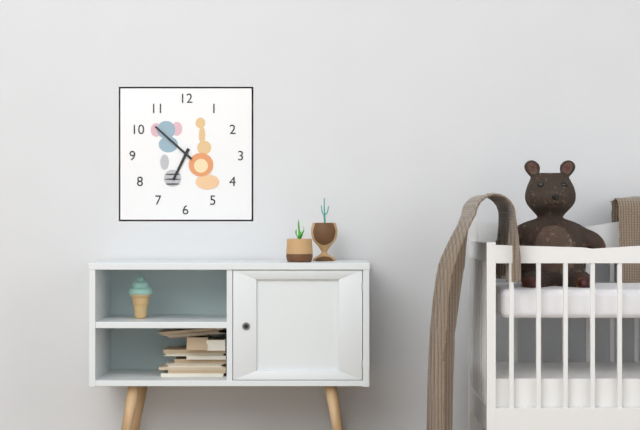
{"hour": 6, "minute": 52}
